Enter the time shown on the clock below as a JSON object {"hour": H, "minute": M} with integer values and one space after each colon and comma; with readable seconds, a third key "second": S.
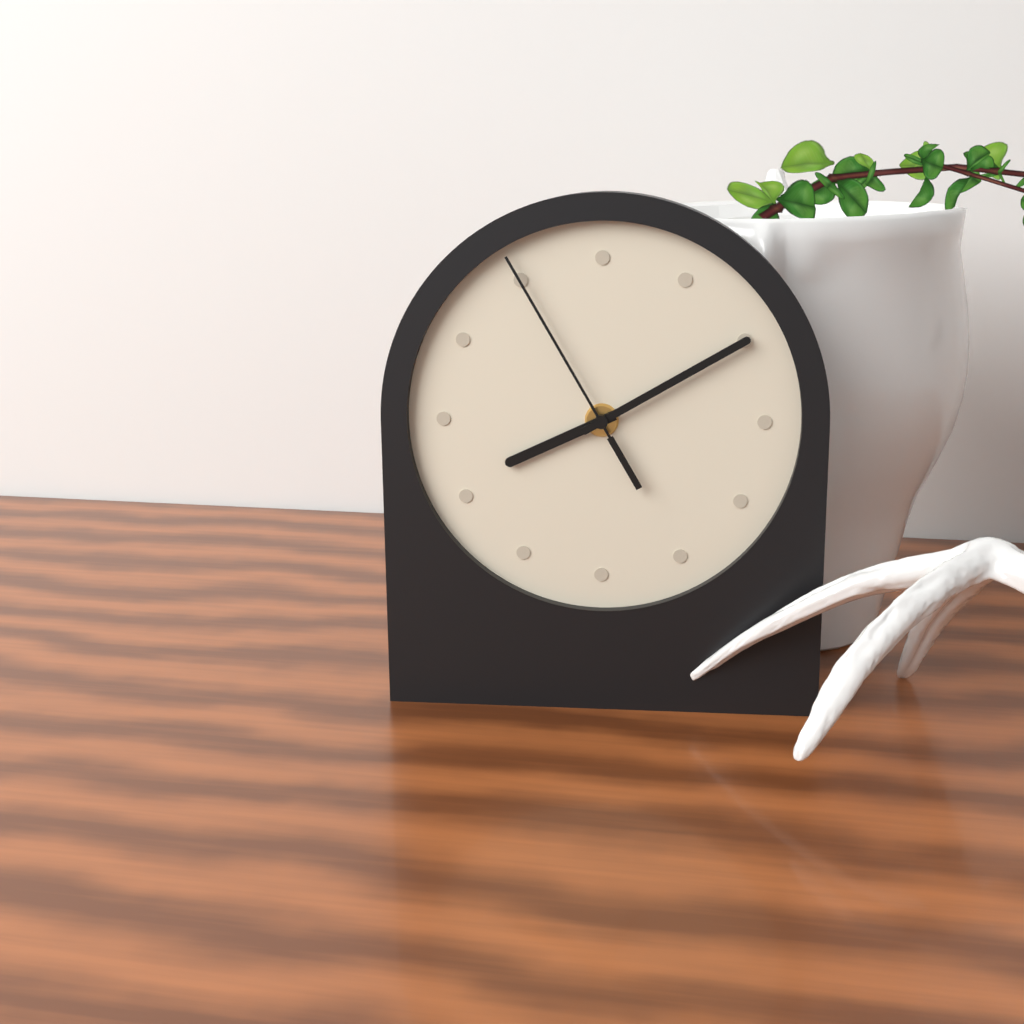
{"hour": 8, "minute": 10, "second": 55}
